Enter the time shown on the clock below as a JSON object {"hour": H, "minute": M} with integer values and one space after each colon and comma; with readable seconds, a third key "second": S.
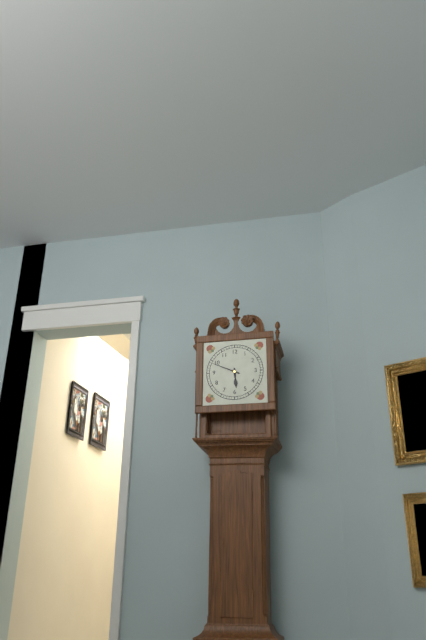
{"hour": 5, "minute": 49}
